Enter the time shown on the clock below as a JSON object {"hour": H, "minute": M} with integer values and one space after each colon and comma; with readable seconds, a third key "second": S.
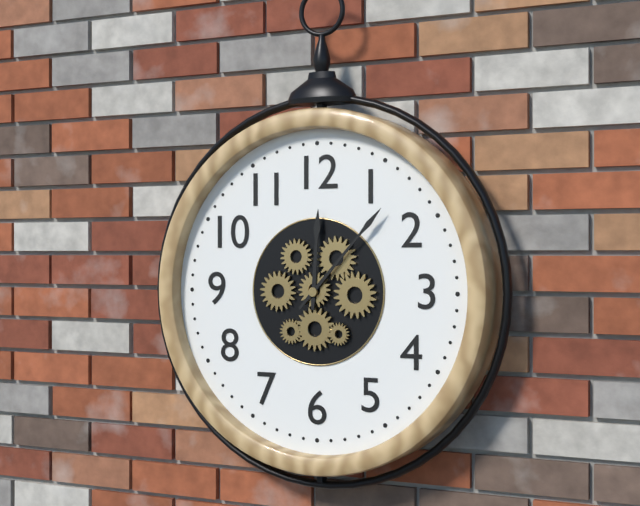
{"hour": 12, "minute": 7}
